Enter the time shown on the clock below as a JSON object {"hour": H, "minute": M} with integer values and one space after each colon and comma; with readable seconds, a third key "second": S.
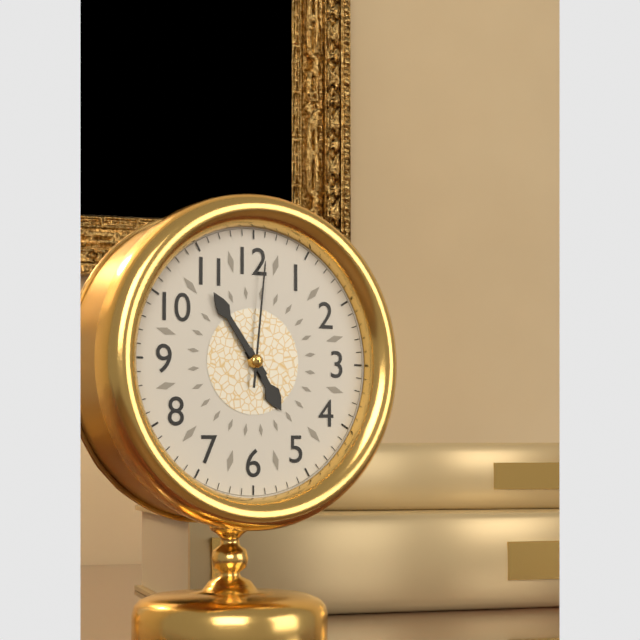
{"hour": 4, "minute": 54, "second": 1}
